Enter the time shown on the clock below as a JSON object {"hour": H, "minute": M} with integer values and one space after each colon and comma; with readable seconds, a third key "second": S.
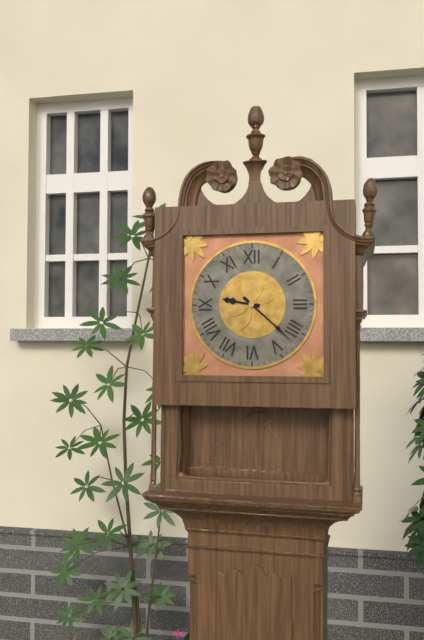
{"hour": 9, "minute": 22}
